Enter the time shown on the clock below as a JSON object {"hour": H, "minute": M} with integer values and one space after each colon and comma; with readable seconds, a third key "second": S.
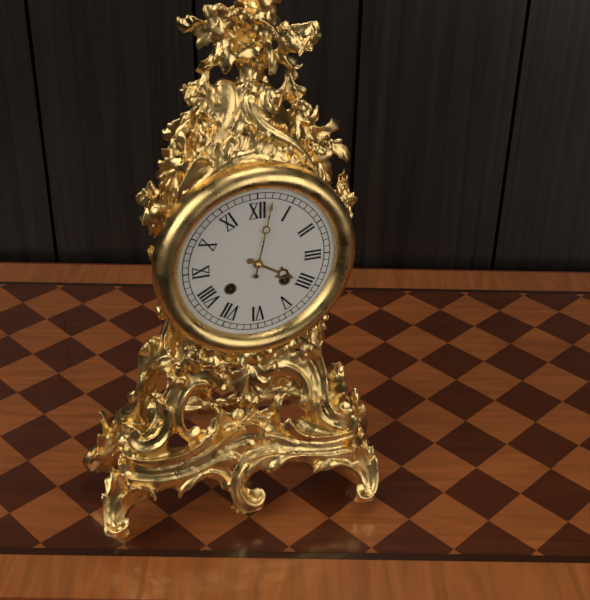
{"hour": 4, "minute": 2}
